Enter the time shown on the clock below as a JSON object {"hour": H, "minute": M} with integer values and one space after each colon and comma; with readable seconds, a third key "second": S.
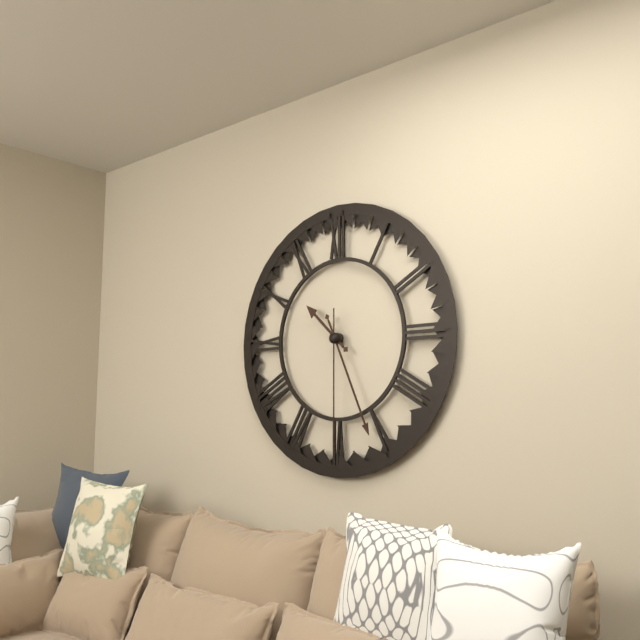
{"hour": 10, "minute": 26, "second": 30}
